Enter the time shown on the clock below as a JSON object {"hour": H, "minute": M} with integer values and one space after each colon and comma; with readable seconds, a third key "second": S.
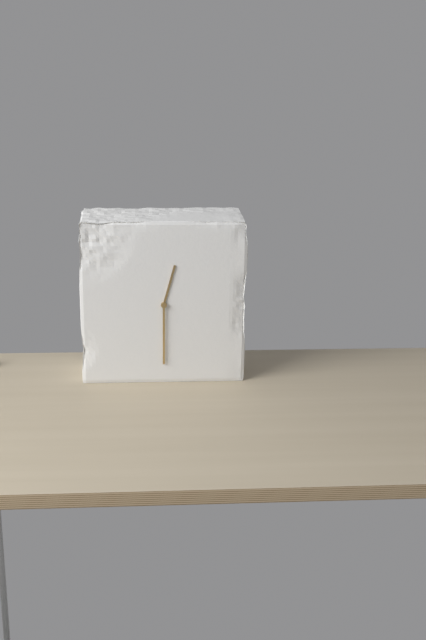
{"hour": 12, "minute": 30}
